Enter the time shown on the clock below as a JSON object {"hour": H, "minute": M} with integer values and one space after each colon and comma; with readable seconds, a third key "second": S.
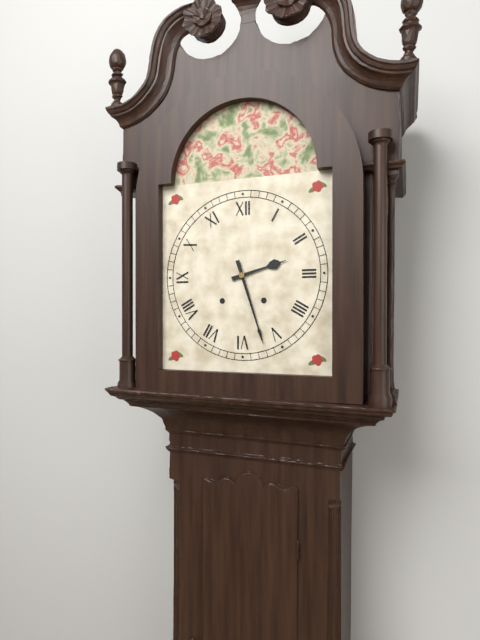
{"hour": 2, "minute": 27}
